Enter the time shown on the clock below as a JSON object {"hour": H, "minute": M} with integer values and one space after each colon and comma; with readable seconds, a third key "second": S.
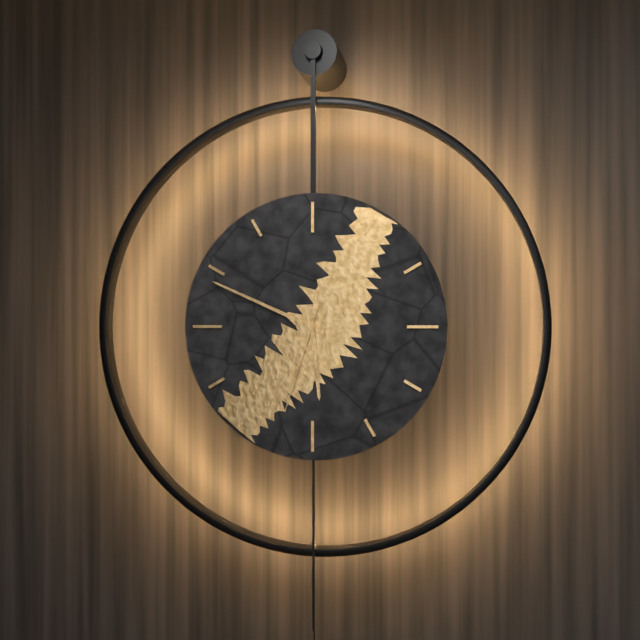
{"hour": 5, "minute": 49, "second": 33}
